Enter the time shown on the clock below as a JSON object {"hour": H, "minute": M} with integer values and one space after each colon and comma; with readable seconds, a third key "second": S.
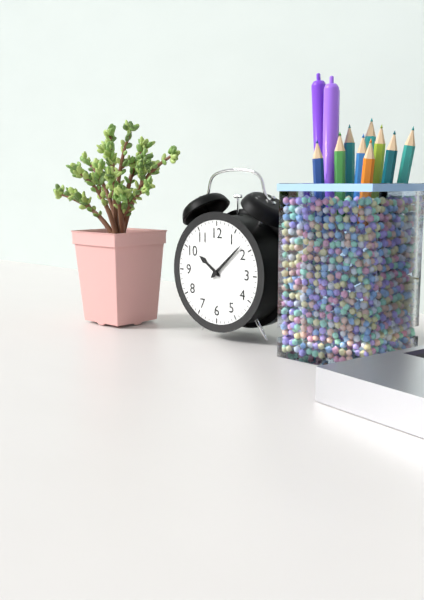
{"hour": 10, "minute": 8}
